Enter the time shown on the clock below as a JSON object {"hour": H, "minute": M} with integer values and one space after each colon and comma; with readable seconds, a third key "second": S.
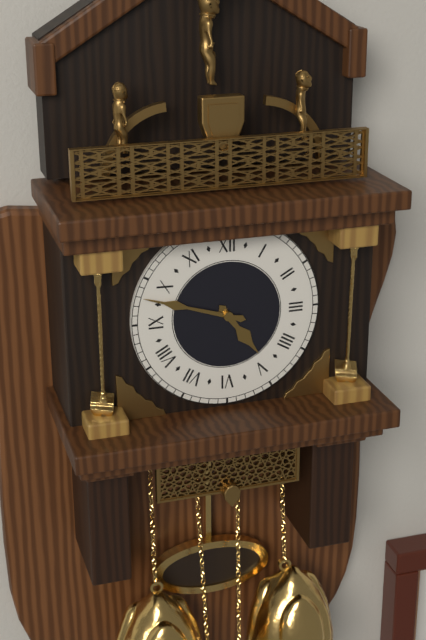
{"hour": 4, "minute": 48}
